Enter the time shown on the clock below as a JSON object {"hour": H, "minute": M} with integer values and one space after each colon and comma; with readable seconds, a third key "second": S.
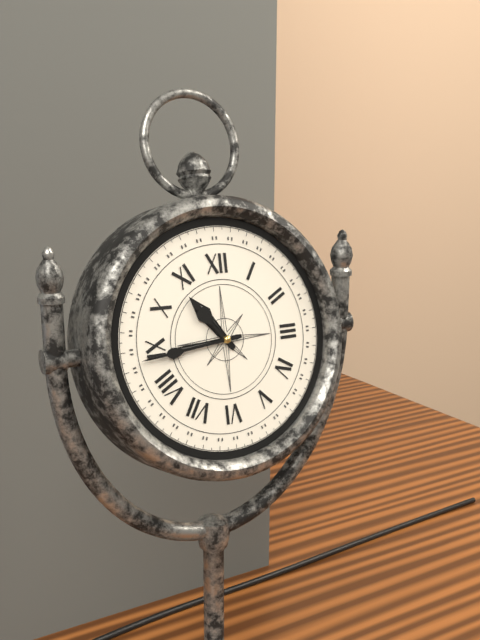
{"hour": 10, "minute": 44}
